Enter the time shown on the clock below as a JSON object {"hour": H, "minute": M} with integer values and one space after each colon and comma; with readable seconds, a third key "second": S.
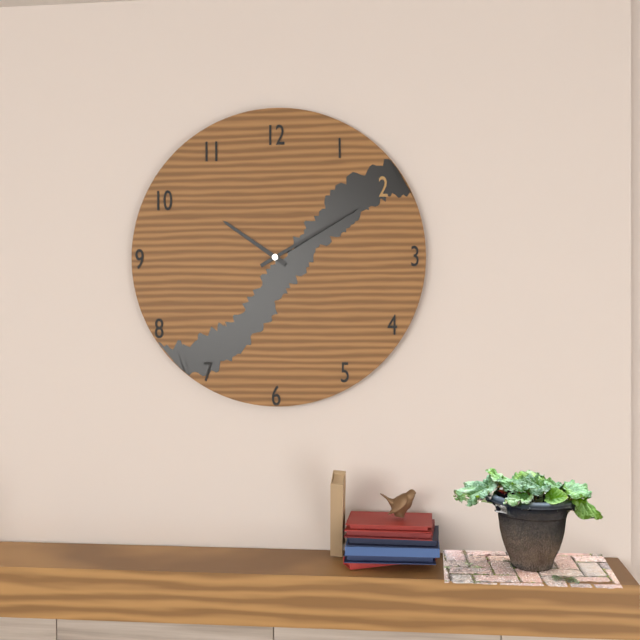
{"hour": 10, "minute": 10}
